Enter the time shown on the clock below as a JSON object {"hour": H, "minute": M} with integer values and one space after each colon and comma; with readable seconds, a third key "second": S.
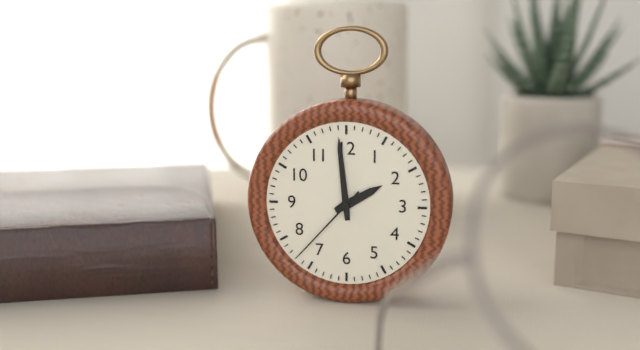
{"hour": 1, "minute": 59, "second": 37}
